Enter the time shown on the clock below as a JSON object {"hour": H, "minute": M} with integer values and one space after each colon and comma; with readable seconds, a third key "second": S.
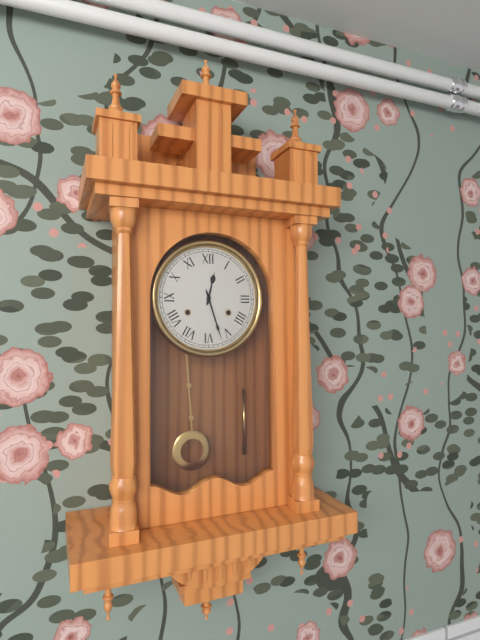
{"hour": 12, "minute": 27}
